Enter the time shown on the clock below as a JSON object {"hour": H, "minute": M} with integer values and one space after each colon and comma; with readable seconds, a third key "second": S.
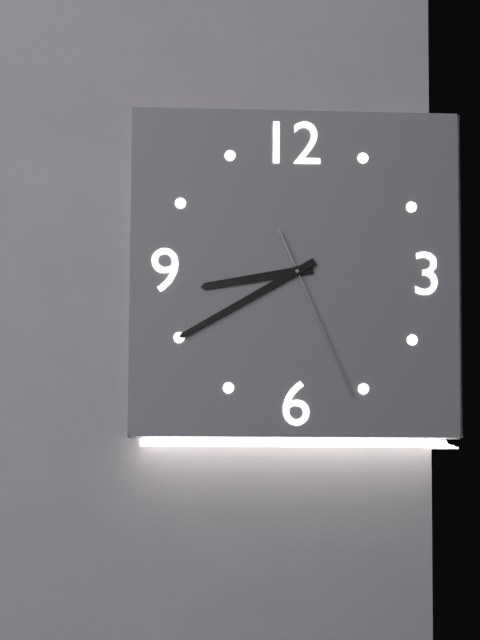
{"hour": 8, "minute": 40, "second": 26}
